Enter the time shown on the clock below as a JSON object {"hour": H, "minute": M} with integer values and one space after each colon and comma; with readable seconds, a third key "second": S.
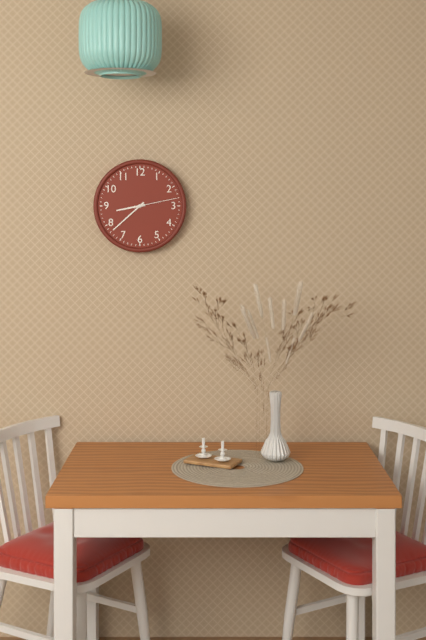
{"hour": 8, "minute": 38}
